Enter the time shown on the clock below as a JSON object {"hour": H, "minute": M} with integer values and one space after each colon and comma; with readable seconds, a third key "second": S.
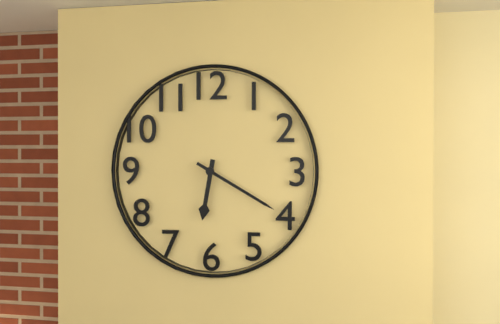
{"hour": 6, "minute": 20}
